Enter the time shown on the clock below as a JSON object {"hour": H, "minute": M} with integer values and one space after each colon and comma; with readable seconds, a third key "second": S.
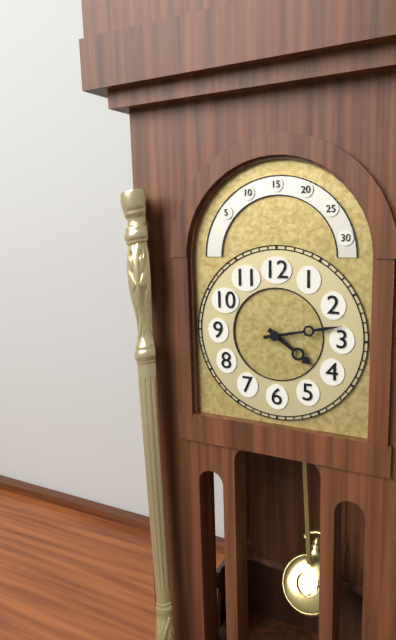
{"hour": 4, "minute": 13}
